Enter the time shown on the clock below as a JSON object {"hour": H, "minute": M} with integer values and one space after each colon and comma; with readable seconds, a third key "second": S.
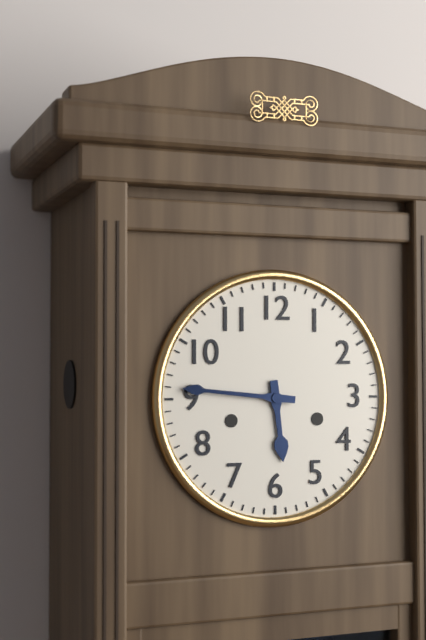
{"hour": 5, "minute": 46}
